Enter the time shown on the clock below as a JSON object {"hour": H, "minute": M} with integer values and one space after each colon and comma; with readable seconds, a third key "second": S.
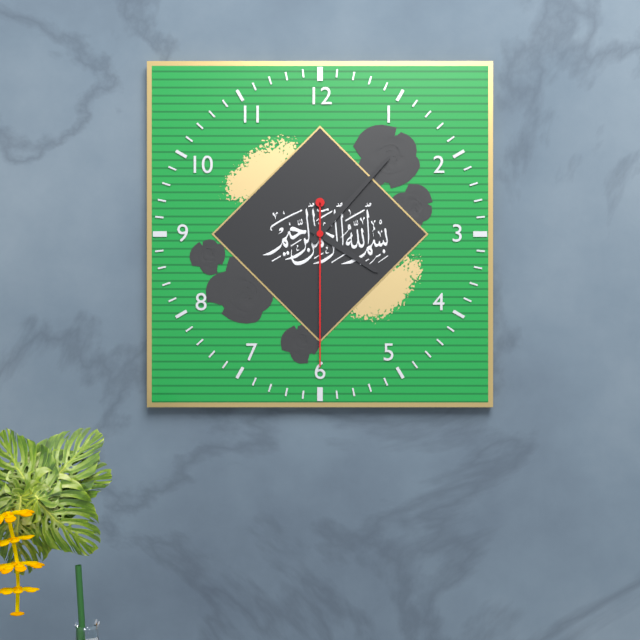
{"hour": 4, "minute": 7, "second": 30}
